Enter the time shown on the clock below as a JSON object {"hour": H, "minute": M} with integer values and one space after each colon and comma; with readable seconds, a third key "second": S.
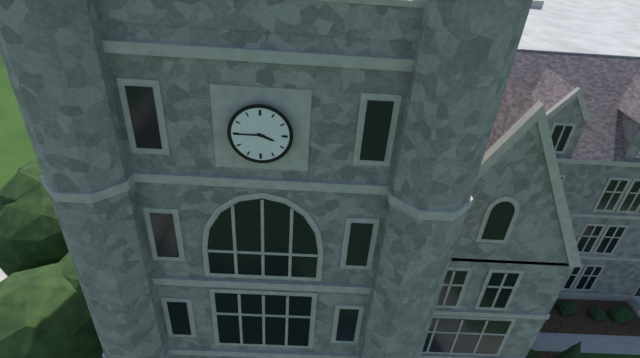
{"hour": 3, "minute": 45}
